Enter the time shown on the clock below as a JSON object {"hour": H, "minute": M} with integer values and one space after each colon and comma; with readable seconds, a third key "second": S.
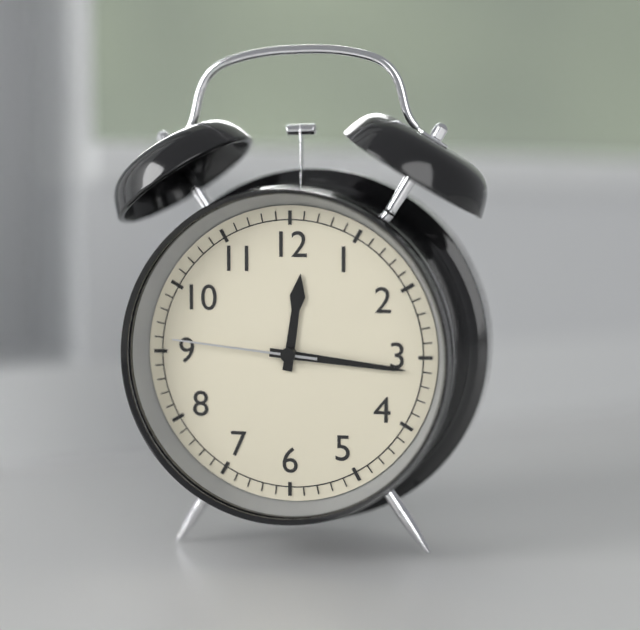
{"hour": 12, "minute": 16, "second": 46}
